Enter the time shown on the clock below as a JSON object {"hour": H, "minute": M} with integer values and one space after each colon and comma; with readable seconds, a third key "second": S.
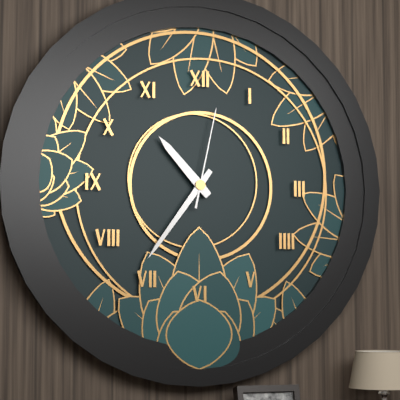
{"hour": 10, "minute": 36, "second": 2}
